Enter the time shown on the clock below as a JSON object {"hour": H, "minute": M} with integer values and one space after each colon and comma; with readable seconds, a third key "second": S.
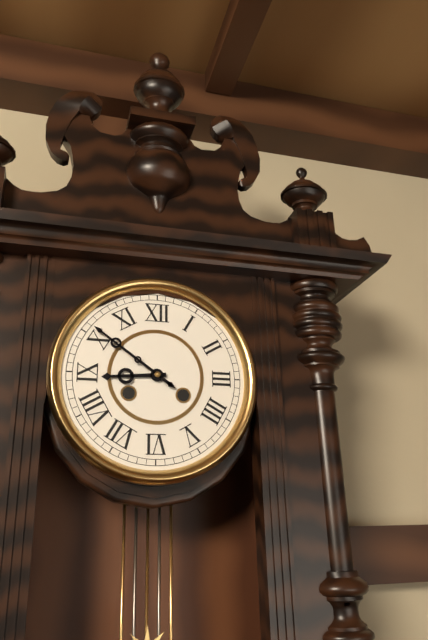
{"hour": 8, "minute": 51}
